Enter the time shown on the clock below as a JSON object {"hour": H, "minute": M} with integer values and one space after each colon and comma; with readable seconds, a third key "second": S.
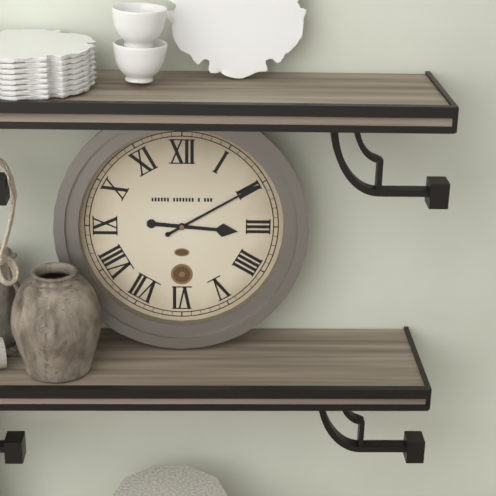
{"hour": 3, "minute": 10}
